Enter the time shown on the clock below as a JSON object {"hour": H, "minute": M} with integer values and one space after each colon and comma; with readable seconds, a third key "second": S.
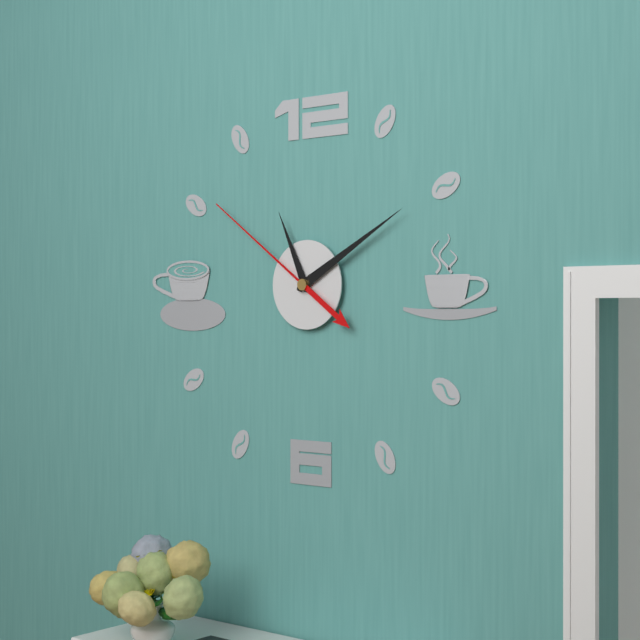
{"hour": 11, "minute": 10, "second": 51}
